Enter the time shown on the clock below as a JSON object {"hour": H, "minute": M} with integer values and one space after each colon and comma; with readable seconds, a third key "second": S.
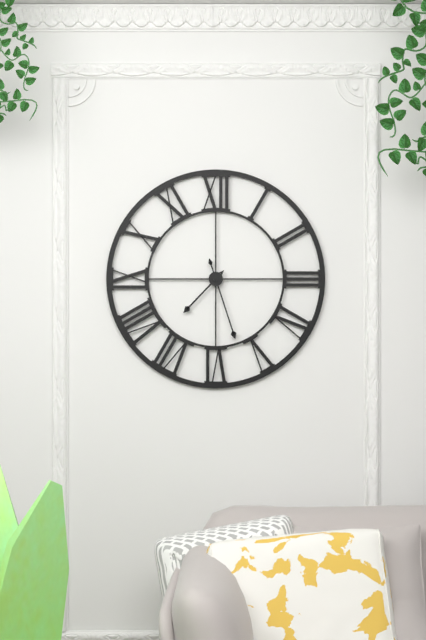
{"hour": 7, "minute": 27}
